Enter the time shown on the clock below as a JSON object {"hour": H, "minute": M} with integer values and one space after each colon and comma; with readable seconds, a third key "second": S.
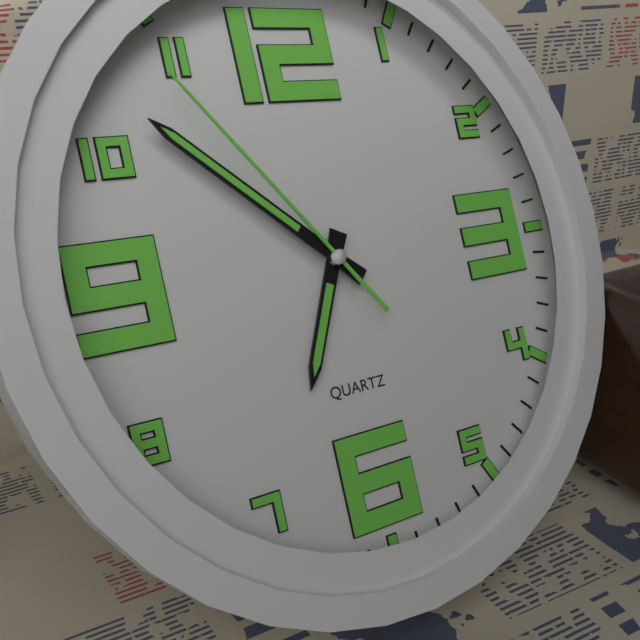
{"hour": 6, "minute": 52, "second": 54}
